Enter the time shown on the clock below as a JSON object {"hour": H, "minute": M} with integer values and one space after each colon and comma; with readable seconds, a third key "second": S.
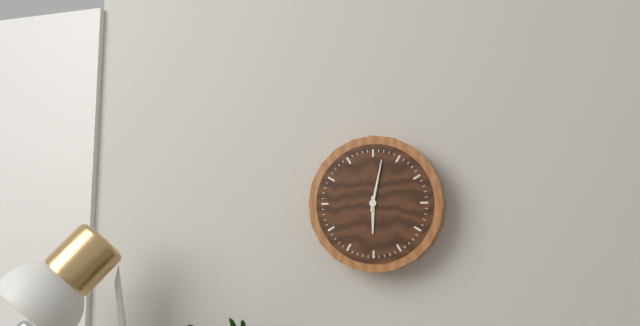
{"hour": 6, "minute": 2}
